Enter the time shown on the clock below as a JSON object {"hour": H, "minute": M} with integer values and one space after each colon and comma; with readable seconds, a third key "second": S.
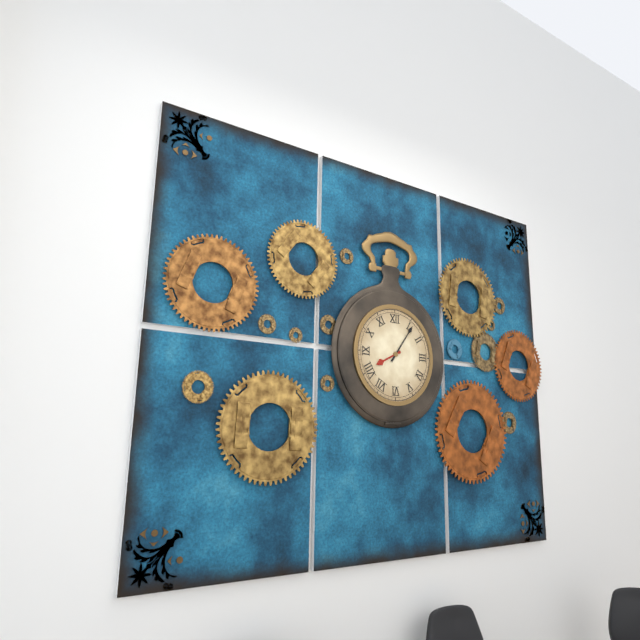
{"hour": 8, "minute": 6}
